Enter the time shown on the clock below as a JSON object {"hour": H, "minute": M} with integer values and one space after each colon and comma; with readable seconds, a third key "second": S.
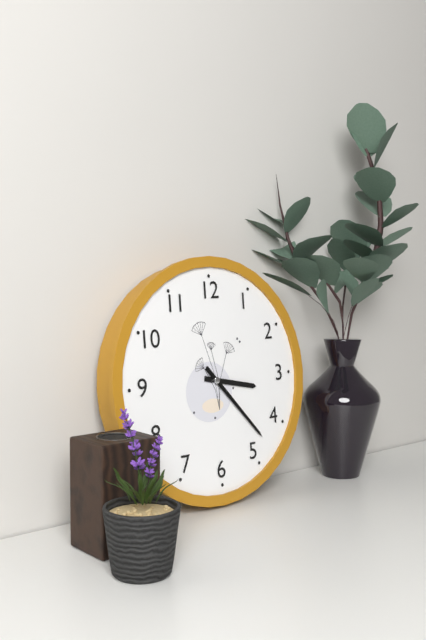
{"hour": 3, "minute": 23, "second": 23}
